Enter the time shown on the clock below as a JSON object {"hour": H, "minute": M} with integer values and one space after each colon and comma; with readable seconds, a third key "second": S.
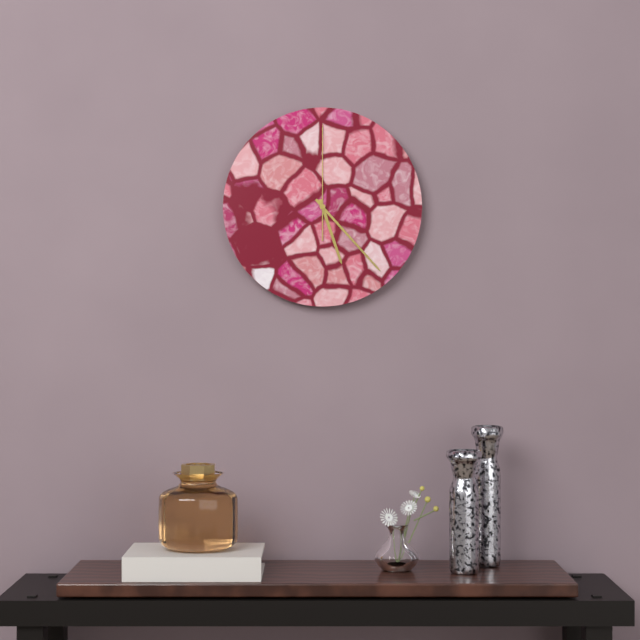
{"hour": 5, "minute": 23, "second": 0}
